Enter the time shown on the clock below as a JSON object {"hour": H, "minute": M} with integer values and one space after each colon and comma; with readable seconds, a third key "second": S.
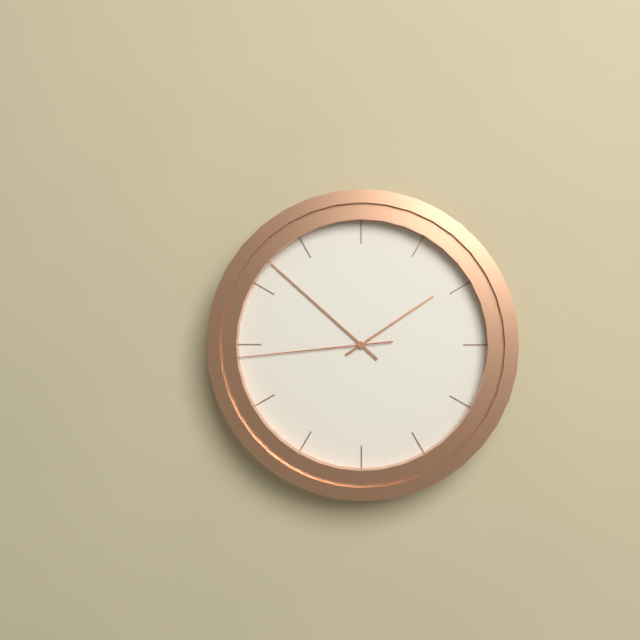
{"hour": 1, "minute": 52, "second": 44}
